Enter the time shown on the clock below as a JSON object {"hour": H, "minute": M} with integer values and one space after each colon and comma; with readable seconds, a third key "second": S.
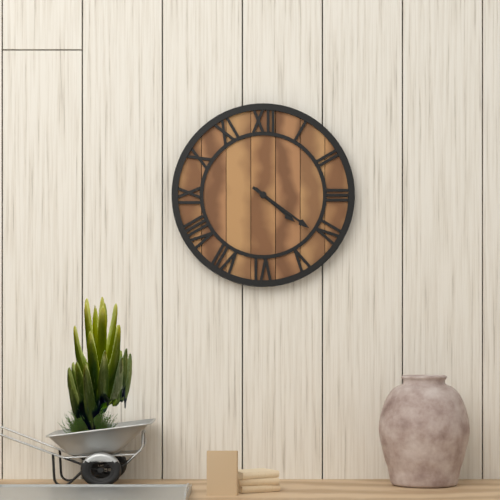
{"hour": 4, "minute": 21}
